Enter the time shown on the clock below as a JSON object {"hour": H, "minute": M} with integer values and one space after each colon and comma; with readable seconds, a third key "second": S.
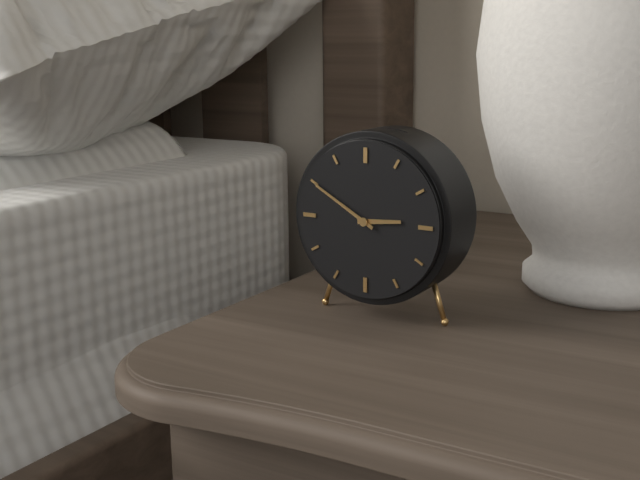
{"hour": 2, "minute": 50}
